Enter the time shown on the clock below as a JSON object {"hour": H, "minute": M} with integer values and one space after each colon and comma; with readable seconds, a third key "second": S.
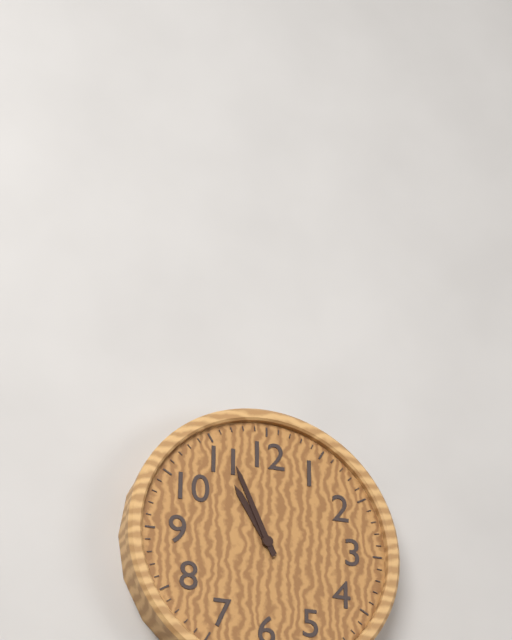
{"hour": 10, "minute": 56}
